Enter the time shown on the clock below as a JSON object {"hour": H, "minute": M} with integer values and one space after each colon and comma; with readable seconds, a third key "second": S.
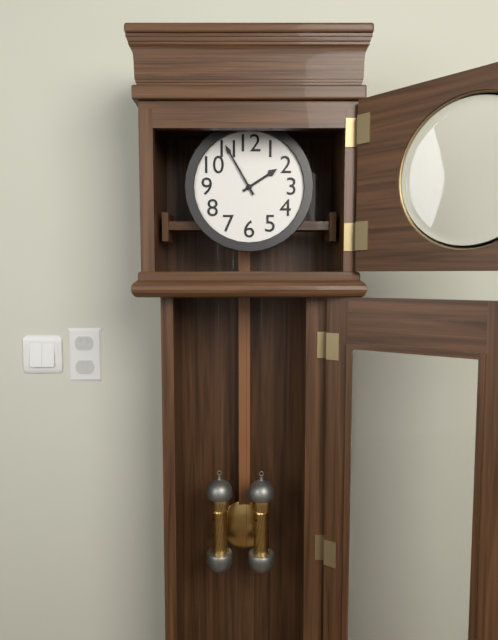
{"hour": 1, "minute": 55}
